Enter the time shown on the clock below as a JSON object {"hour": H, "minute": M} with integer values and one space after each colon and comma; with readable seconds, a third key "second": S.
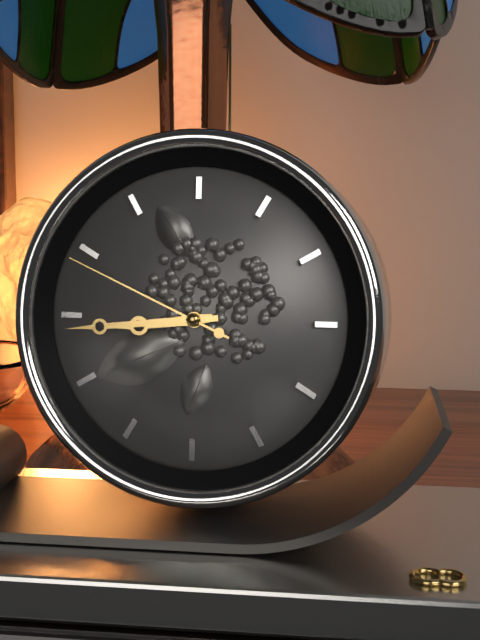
{"hour": 8, "minute": 44, "second": 49}
